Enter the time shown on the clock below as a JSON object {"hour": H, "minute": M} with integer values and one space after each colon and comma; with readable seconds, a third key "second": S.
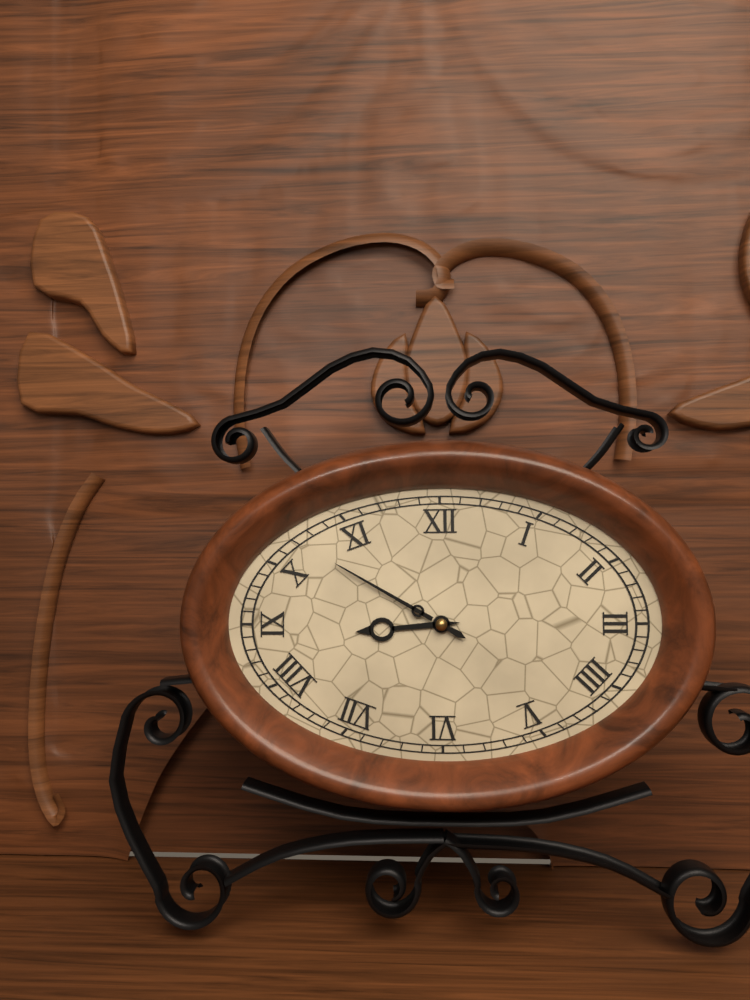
{"hour": 8, "minute": 50}
